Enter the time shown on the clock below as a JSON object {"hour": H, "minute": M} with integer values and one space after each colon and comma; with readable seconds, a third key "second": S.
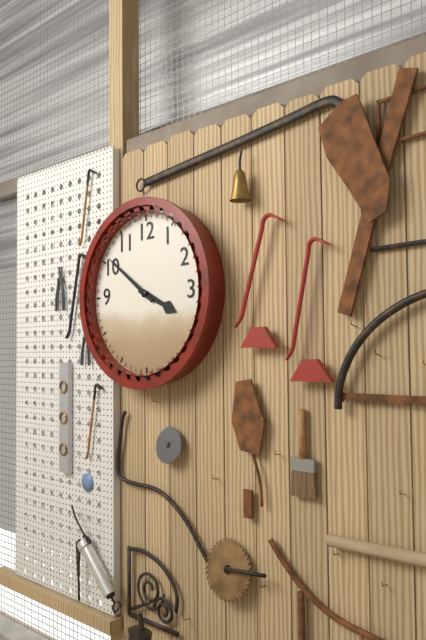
{"hour": 3, "minute": 51}
